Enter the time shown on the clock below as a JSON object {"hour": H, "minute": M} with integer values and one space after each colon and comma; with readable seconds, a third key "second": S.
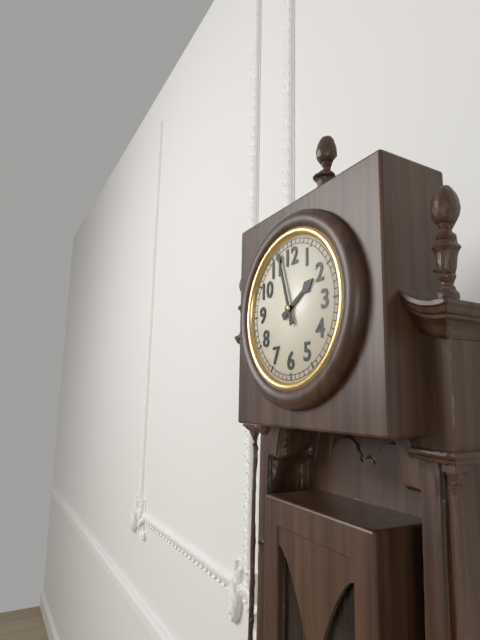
{"hour": 1, "minute": 57}
